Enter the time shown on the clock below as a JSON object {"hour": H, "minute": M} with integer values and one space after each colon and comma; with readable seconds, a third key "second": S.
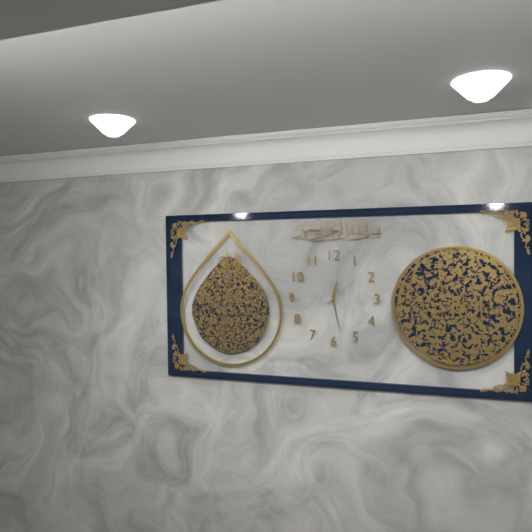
{"hour": 12, "minute": 28}
